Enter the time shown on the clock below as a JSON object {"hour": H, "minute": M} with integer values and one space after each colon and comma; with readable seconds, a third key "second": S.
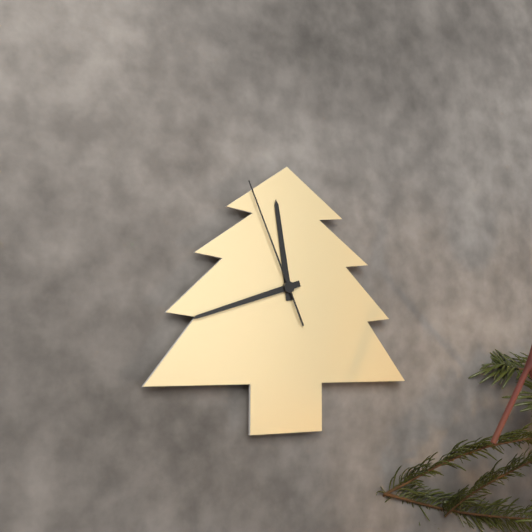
{"hour": 11, "minute": 42, "second": 56}
